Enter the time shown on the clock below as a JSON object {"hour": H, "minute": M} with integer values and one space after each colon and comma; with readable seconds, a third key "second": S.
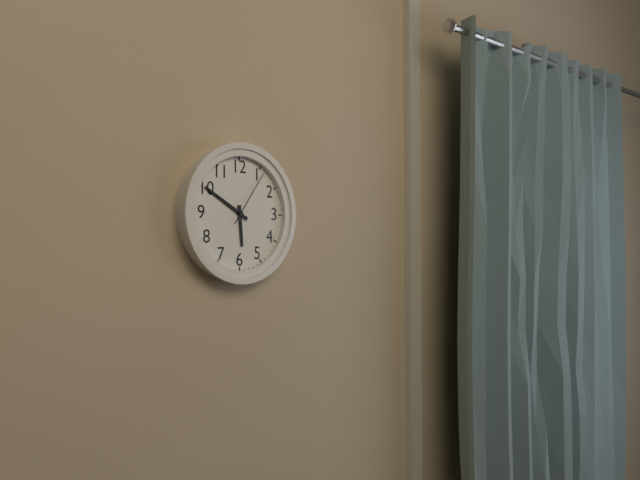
{"hour": 5, "minute": 50, "second": 6}
